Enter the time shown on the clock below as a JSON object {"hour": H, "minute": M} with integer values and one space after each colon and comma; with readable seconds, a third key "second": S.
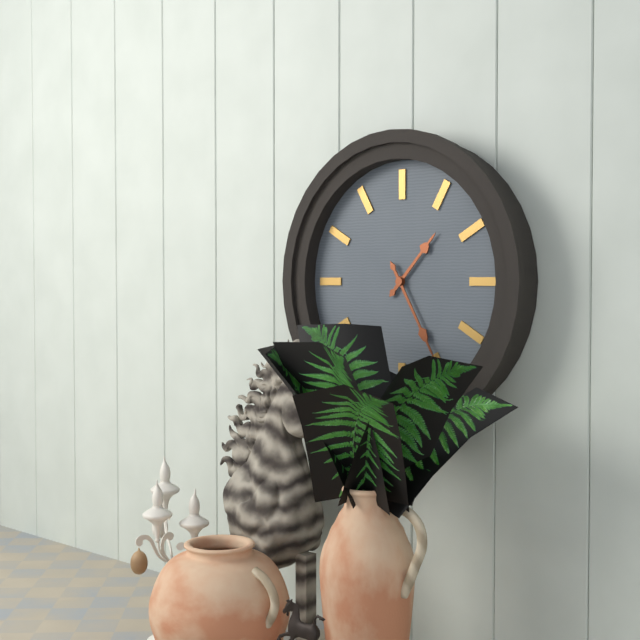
{"hour": 1, "minute": 25}
